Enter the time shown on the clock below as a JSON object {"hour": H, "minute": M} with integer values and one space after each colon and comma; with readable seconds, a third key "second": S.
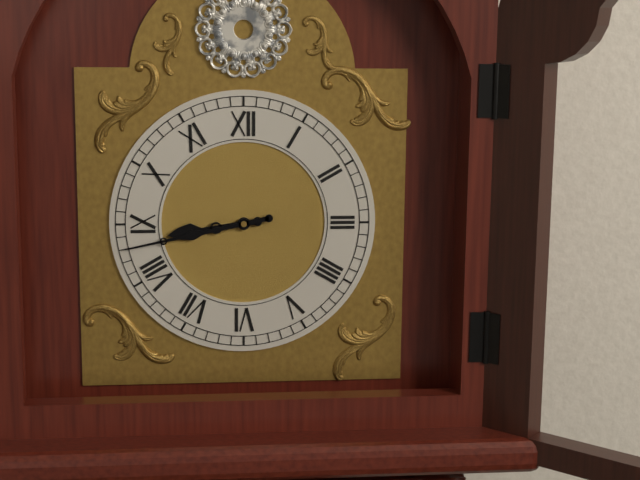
{"hour": 8, "minute": 43}
